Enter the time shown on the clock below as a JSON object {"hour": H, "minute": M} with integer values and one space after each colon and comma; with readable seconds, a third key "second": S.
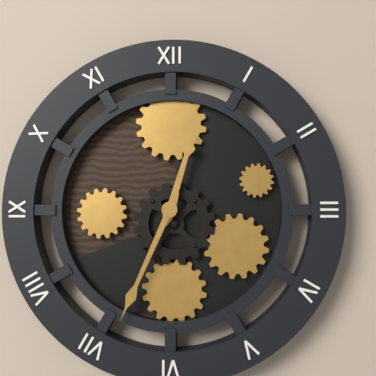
{"hour": 12, "minute": 34}
